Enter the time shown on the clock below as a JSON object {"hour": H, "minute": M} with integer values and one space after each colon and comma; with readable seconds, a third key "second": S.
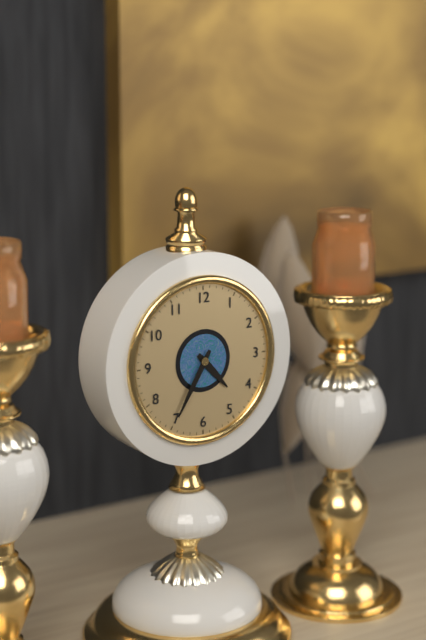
{"hour": 4, "minute": 35}
